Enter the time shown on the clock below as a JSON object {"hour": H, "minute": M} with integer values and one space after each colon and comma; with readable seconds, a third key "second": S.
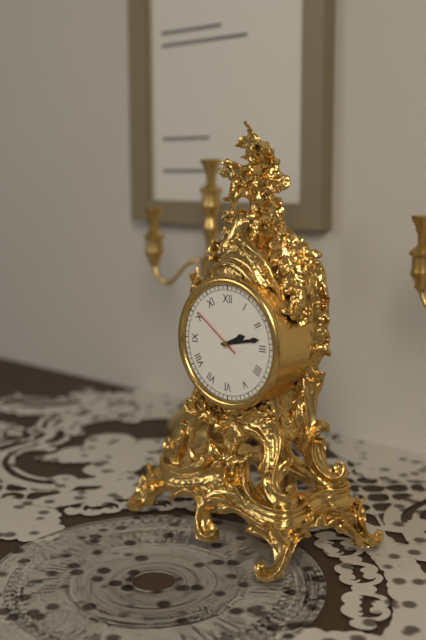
{"hour": 2, "minute": 13, "second": 51}
